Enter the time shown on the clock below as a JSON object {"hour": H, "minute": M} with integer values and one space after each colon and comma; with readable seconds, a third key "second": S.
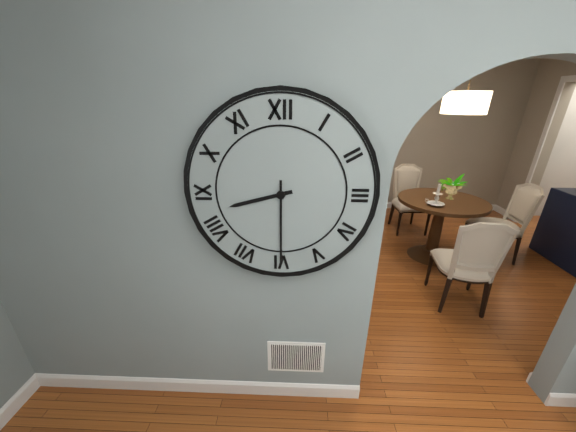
{"hour": 8, "minute": 30}
